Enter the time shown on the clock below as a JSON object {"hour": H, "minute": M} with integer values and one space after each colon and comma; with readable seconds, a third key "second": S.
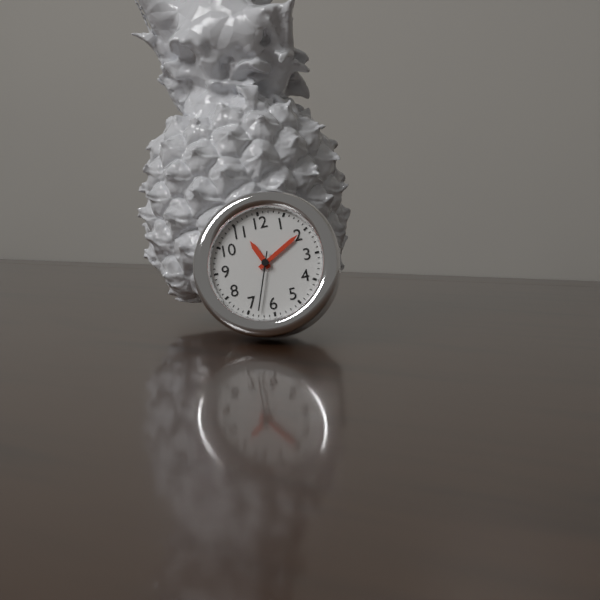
{"hour": 11, "minute": 10, "second": 33}
